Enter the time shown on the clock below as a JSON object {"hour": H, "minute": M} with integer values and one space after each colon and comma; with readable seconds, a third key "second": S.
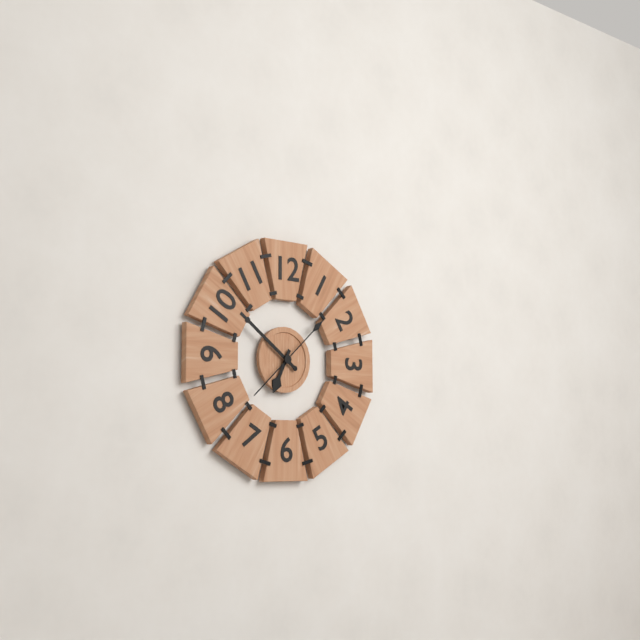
{"hour": 6, "minute": 51, "second": 8}
